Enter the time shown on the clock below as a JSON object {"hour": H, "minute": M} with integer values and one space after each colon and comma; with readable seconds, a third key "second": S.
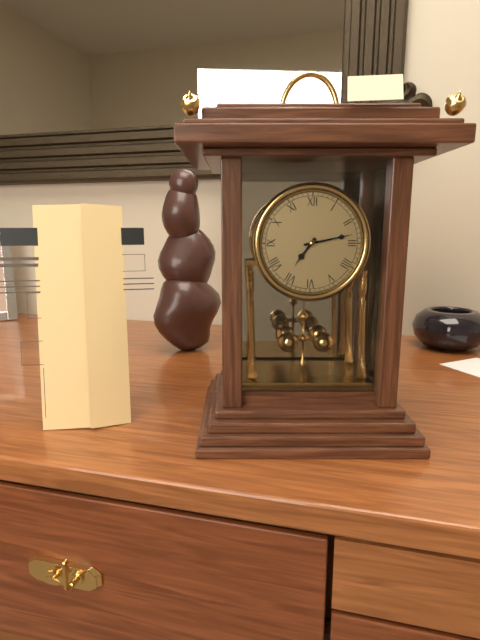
{"hour": 7, "minute": 13}
